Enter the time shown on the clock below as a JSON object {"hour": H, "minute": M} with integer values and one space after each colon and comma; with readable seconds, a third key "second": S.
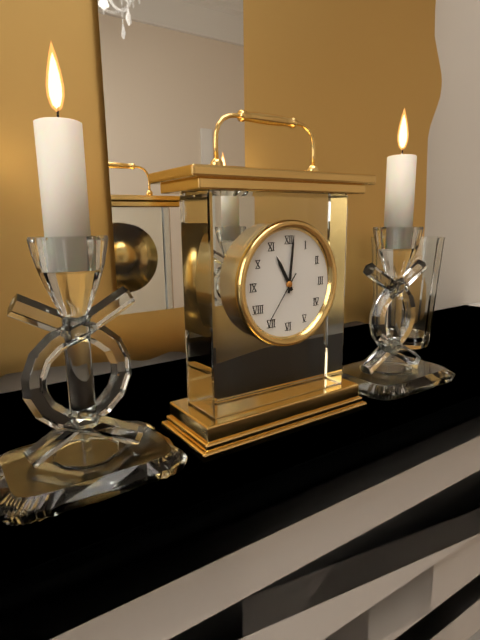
{"hour": 11, "minute": 1, "second": 36}
